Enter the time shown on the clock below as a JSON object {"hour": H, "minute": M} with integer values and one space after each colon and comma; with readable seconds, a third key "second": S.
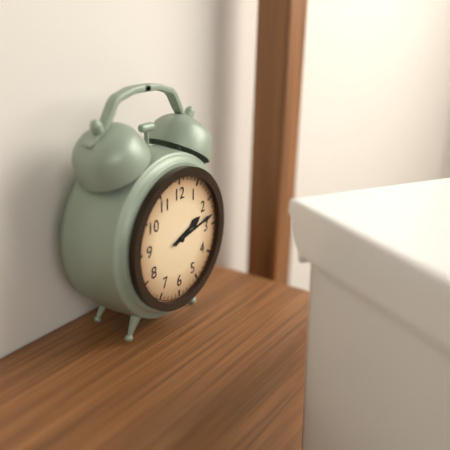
{"hour": 2, "minute": 13}
